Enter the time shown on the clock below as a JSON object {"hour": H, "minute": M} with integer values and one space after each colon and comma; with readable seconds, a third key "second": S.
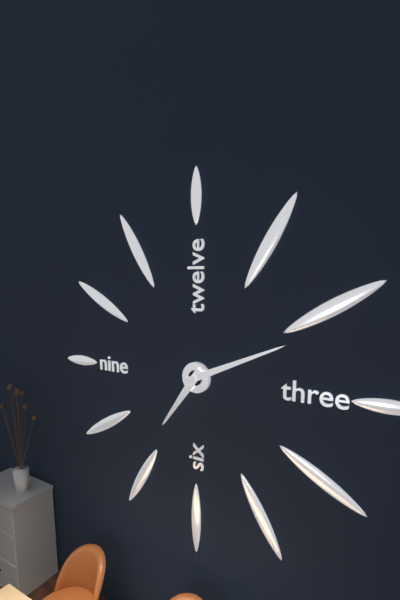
{"hour": 7, "minute": 11}
